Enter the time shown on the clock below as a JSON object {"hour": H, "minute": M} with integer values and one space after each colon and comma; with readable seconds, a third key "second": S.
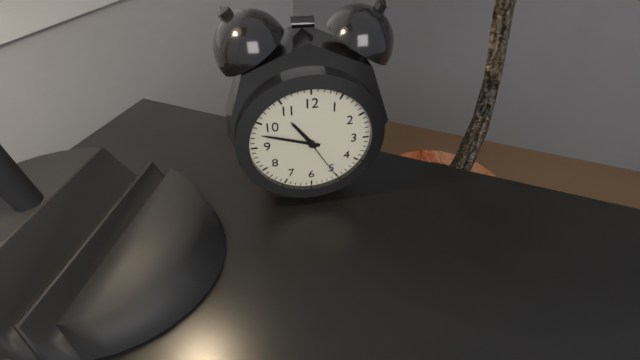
{"hour": 10, "minute": 48, "second": 25}
